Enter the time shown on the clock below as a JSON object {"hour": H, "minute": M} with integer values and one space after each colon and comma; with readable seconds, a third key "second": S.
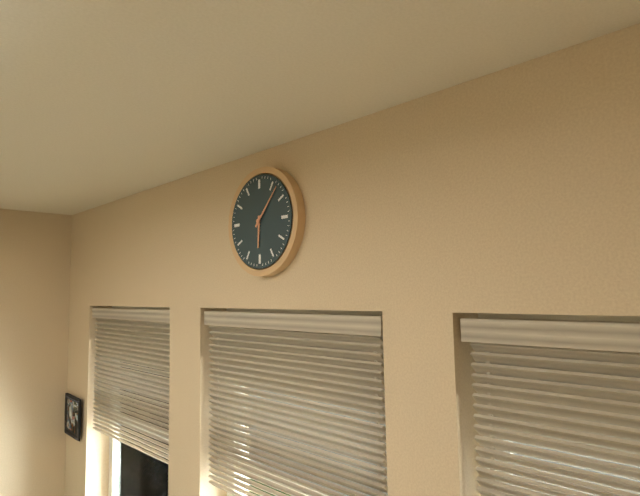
{"hour": 6, "minute": 7}
